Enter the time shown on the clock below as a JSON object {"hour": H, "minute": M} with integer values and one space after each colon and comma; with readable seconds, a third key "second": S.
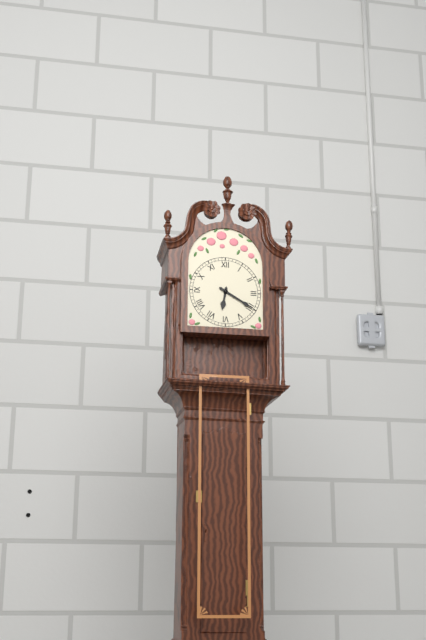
{"hour": 6, "minute": 20}
